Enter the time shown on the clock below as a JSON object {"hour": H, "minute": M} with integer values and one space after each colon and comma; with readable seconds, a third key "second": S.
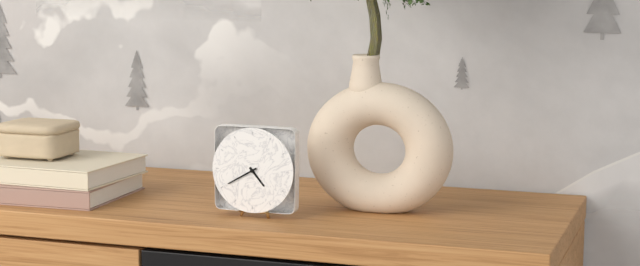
{"hour": 4, "minute": 40}
